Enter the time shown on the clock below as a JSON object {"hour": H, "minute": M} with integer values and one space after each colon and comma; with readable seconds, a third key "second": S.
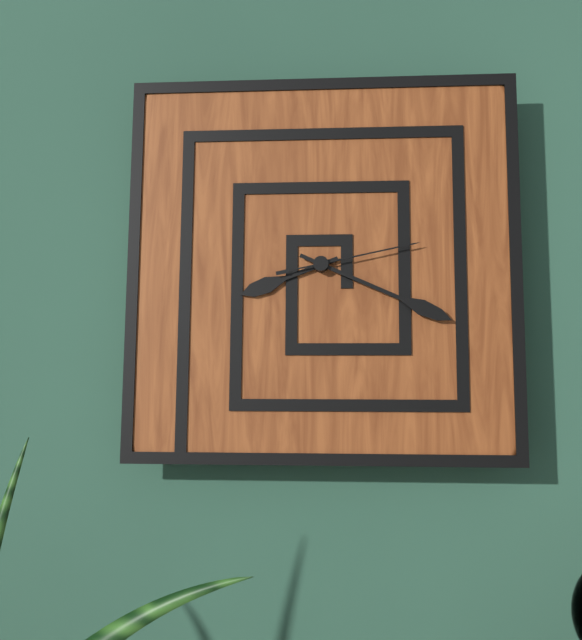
{"hour": 8, "minute": 19, "second": 13}
